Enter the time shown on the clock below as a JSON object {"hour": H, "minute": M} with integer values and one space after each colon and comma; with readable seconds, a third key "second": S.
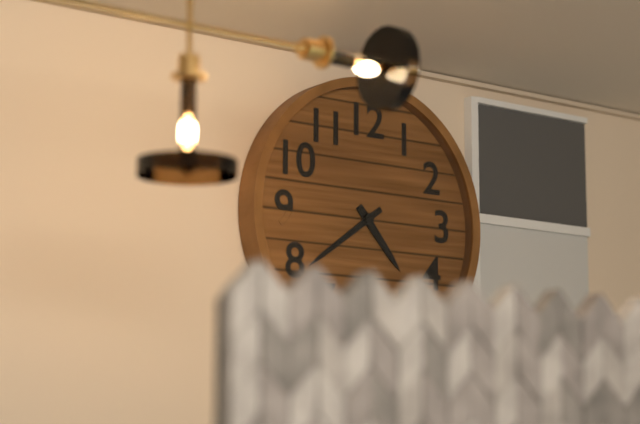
{"hour": 4, "minute": 39}
